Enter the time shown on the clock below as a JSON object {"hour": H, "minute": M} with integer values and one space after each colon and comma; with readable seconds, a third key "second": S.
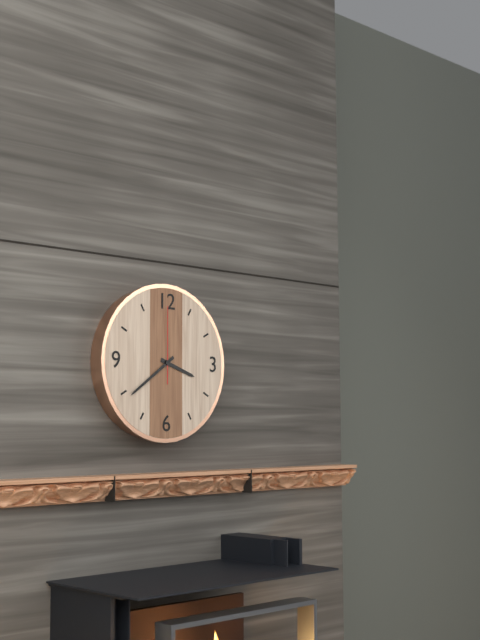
{"hour": 3, "minute": 39, "second": 0}
